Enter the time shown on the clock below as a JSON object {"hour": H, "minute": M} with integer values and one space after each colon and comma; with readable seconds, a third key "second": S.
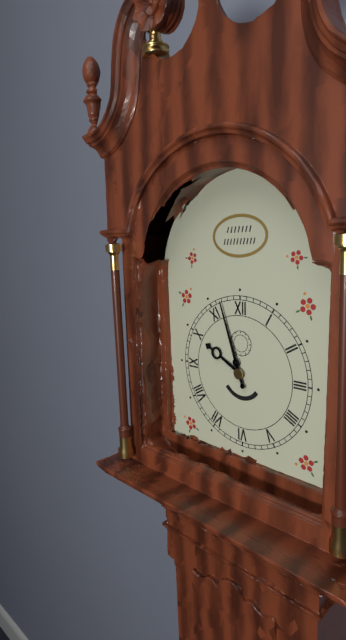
{"hour": 9, "minute": 57}
